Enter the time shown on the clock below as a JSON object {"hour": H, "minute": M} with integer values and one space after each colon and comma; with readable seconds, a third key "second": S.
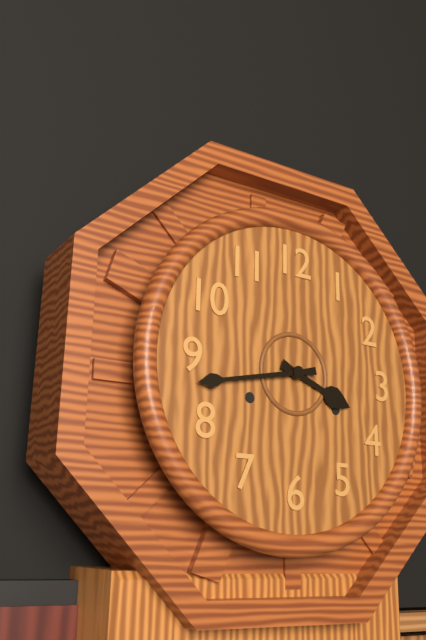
{"hour": 3, "minute": 43}
